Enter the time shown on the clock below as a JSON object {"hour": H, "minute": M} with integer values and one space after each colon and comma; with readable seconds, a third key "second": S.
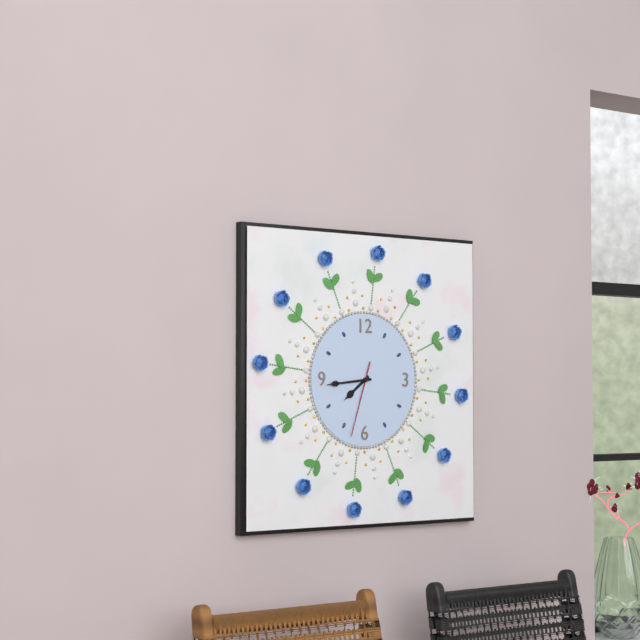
{"hour": 7, "minute": 44, "second": 33}
